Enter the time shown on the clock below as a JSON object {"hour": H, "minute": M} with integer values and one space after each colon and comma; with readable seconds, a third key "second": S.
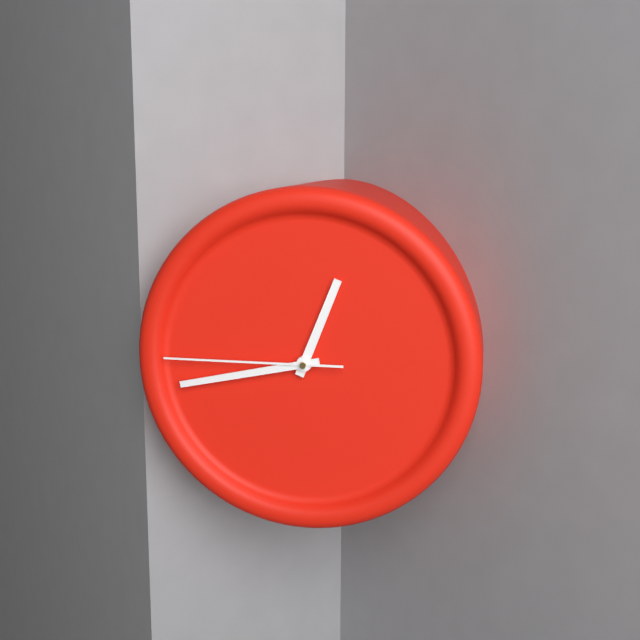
{"hour": 12, "minute": 43, "second": 45}
